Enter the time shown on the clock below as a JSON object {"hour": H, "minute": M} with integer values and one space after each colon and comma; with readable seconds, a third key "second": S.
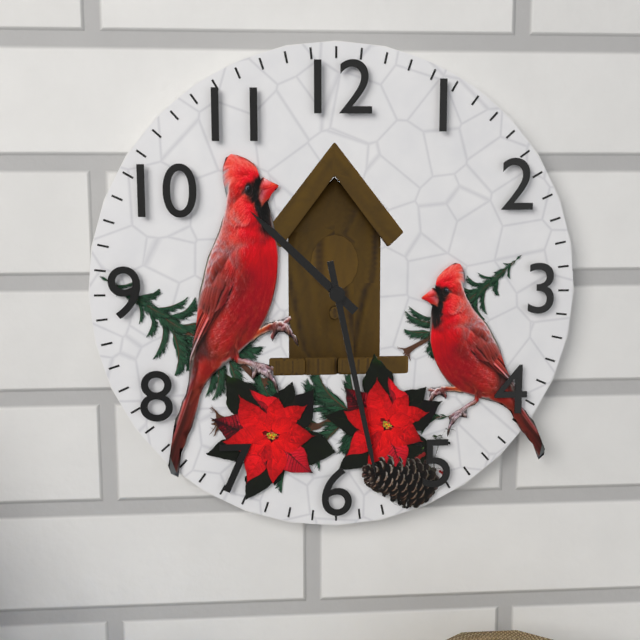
{"hour": 10, "minute": 28}
